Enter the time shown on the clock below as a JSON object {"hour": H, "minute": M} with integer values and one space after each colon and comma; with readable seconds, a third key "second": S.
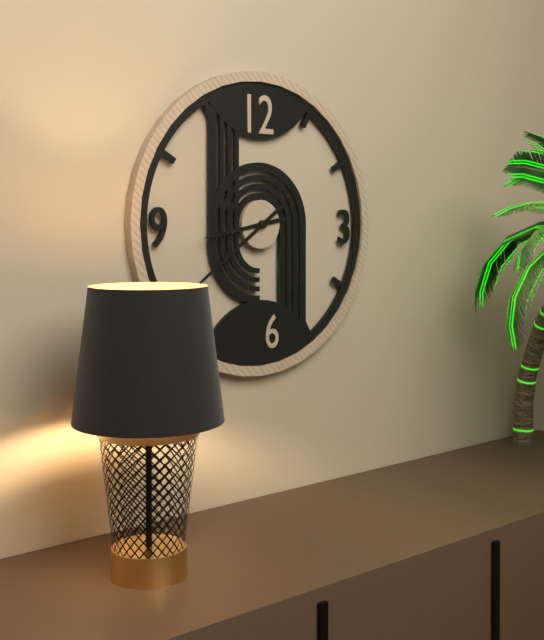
{"hour": 8, "minute": 39}
